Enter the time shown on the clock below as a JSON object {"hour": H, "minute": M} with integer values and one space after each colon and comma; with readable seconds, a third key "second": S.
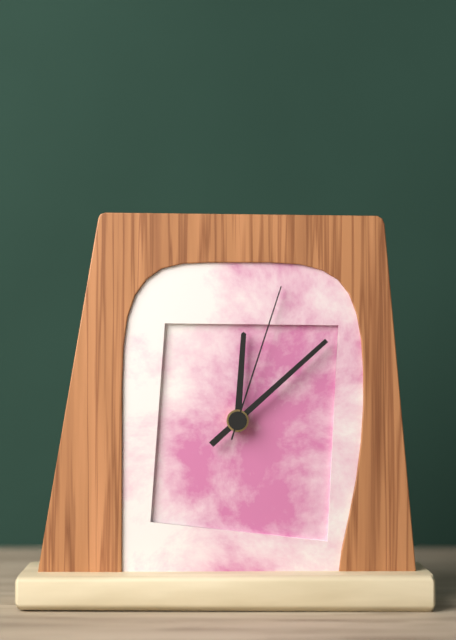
{"hour": 12, "minute": 8, "second": 3}
